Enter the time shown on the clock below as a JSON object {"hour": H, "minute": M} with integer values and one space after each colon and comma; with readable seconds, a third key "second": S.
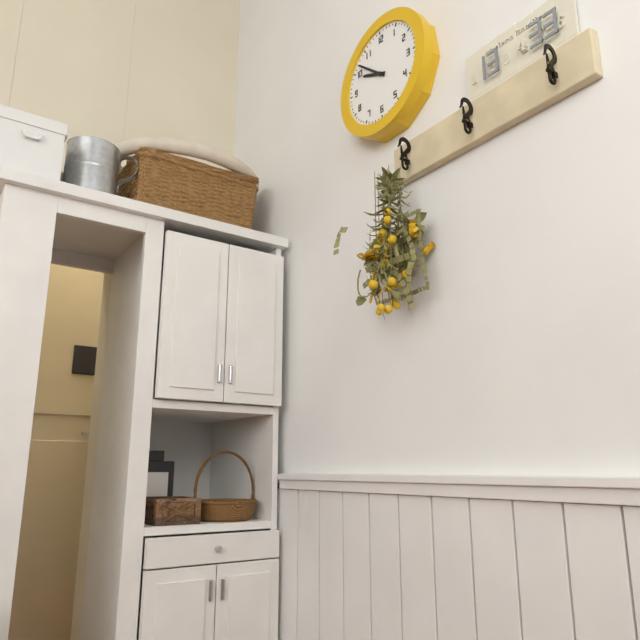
{"hour": 9, "minute": 52}
